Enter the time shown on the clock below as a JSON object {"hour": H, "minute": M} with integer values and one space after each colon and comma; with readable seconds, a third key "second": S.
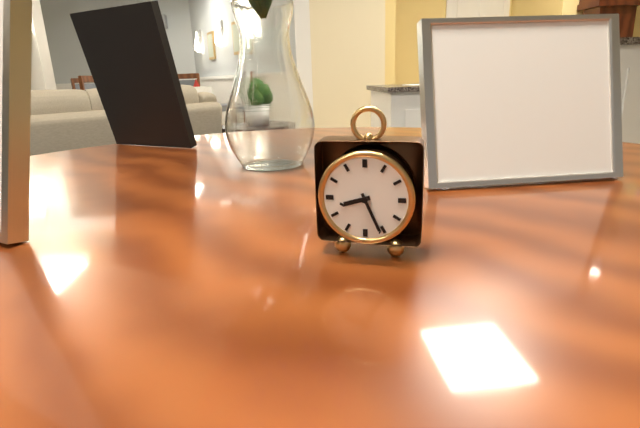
{"hour": 8, "minute": 26}
